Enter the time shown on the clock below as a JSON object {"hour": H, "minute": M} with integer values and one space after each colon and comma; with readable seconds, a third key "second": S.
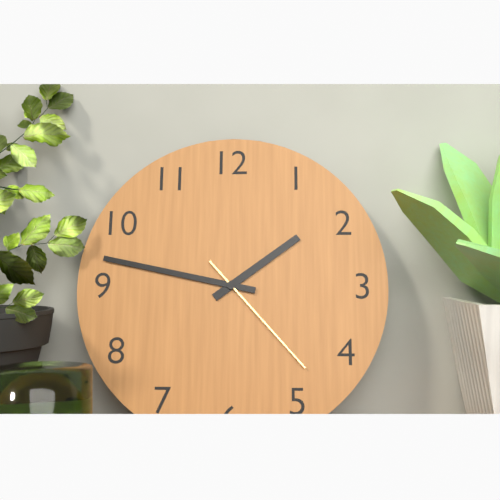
{"hour": 1, "minute": 47, "second": 23}
